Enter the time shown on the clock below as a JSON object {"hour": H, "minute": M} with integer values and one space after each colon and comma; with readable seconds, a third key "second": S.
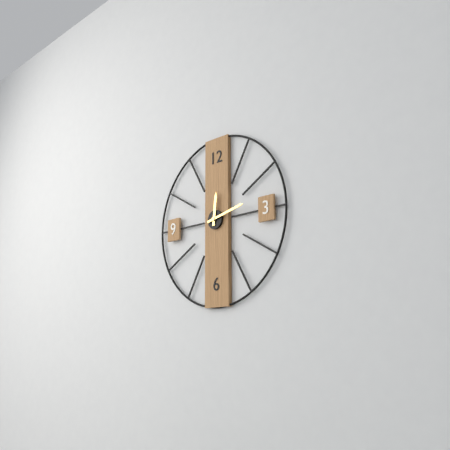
{"hour": 12, "minute": 13}
